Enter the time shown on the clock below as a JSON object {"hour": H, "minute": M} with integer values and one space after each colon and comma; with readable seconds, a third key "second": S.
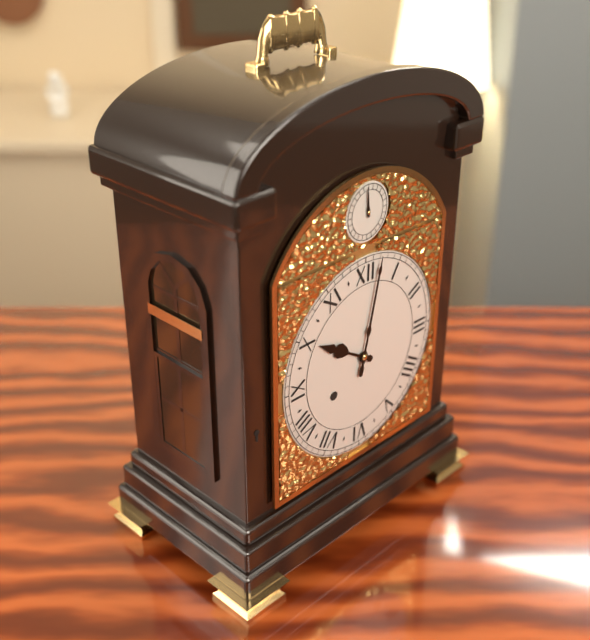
{"hour": 10, "minute": 2}
